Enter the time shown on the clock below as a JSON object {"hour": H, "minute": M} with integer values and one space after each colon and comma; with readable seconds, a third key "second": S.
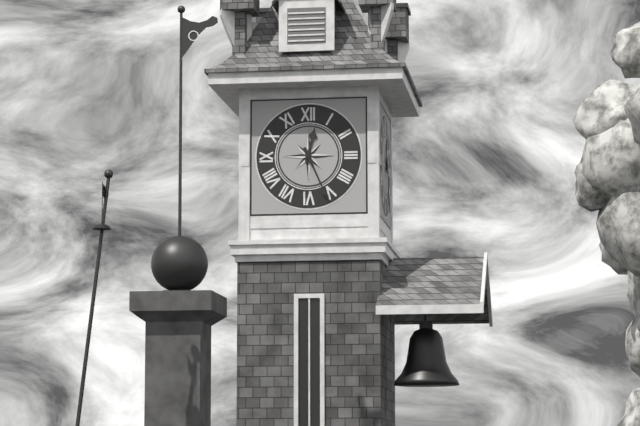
{"hour": 12, "minute": 26}
